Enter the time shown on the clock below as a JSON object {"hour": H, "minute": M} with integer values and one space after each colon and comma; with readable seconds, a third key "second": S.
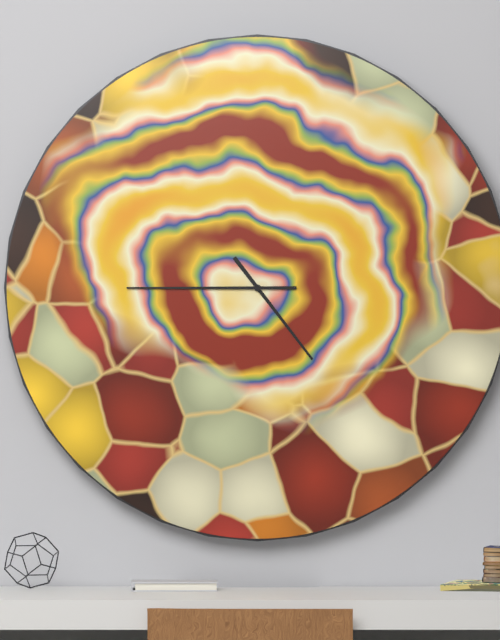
{"hour": 4, "minute": 45}
